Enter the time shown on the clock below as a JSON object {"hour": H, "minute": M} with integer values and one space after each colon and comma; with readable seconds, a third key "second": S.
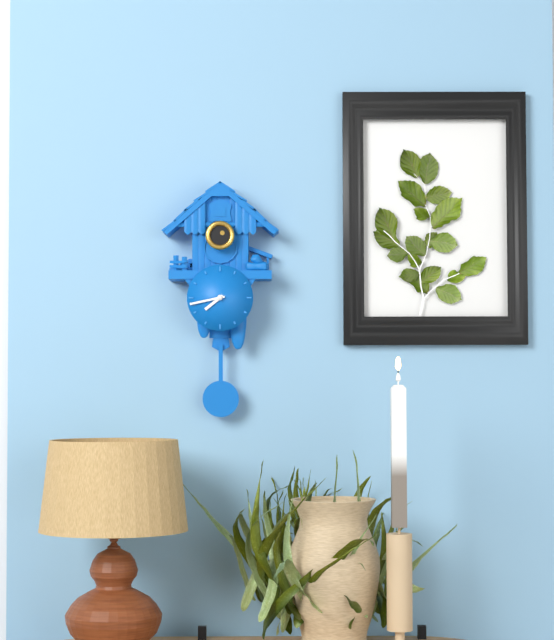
{"hour": 7, "minute": 43}
